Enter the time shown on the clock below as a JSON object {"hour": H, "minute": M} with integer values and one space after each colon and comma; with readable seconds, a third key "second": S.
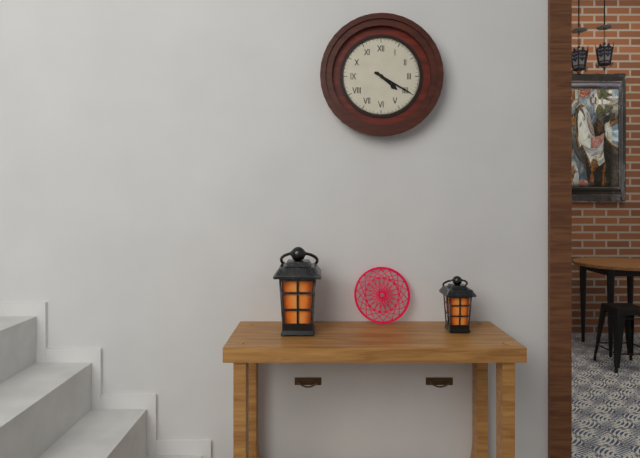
{"hour": 4, "minute": 20}
